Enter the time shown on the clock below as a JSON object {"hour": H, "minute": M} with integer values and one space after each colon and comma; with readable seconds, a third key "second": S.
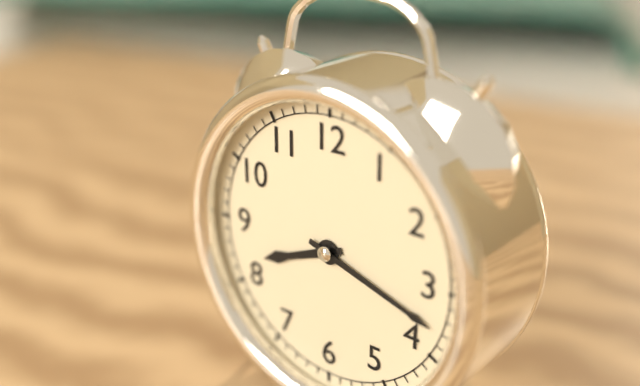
{"hour": 8, "minute": 18}
